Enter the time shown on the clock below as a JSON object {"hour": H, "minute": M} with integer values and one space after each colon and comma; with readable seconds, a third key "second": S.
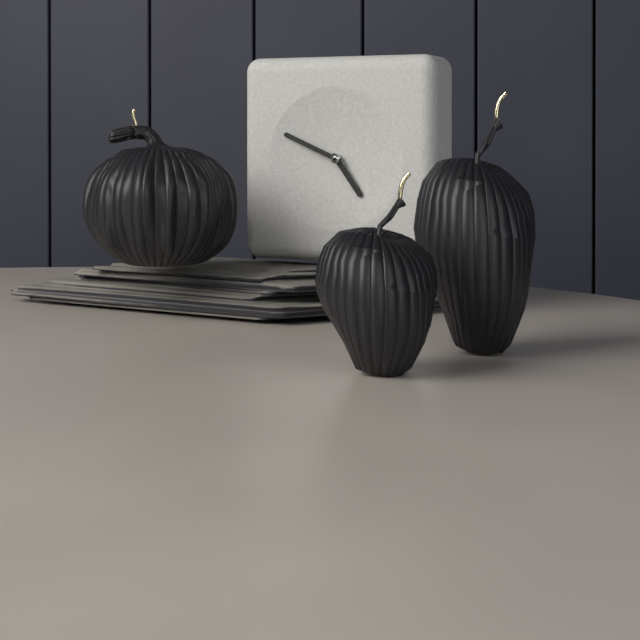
{"hour": 4, "minute": 49}
